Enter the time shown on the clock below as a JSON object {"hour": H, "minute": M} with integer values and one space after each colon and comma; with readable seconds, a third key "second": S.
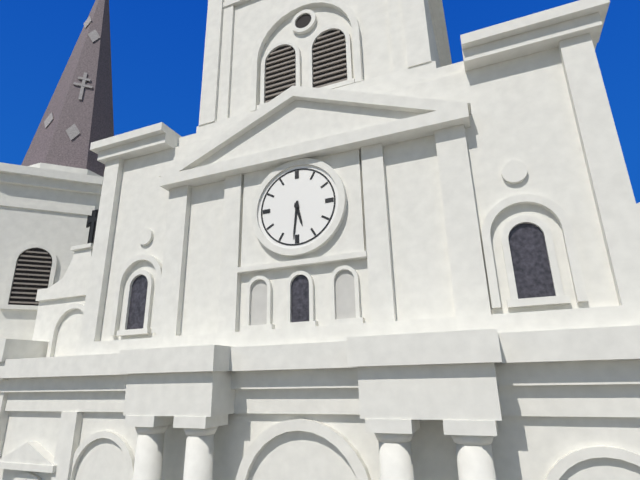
{"hour": 5, "minute": 31}
